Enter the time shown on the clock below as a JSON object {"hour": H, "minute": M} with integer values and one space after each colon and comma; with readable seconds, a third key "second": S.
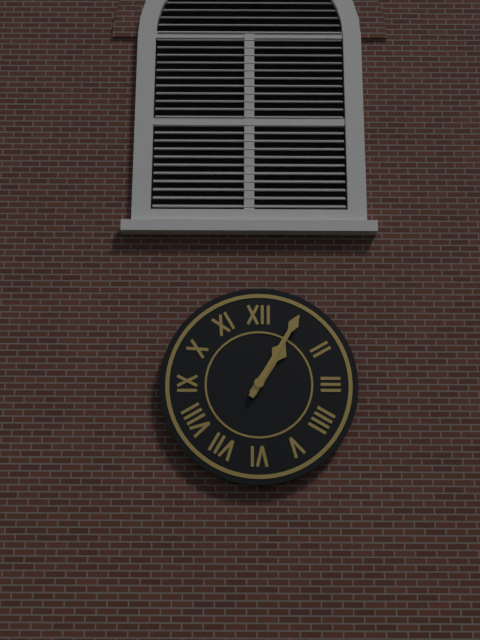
{"hour": 1, "minute": 5}
